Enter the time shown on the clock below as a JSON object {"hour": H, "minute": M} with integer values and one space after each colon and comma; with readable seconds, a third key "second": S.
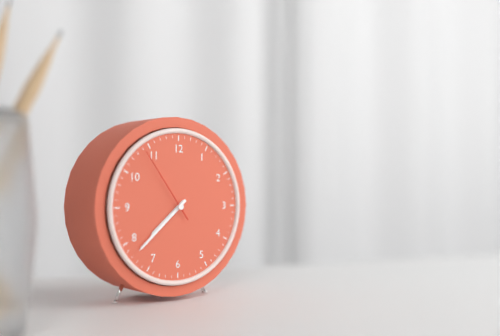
{"hour": 7, "minute": 38, "second": 54}
